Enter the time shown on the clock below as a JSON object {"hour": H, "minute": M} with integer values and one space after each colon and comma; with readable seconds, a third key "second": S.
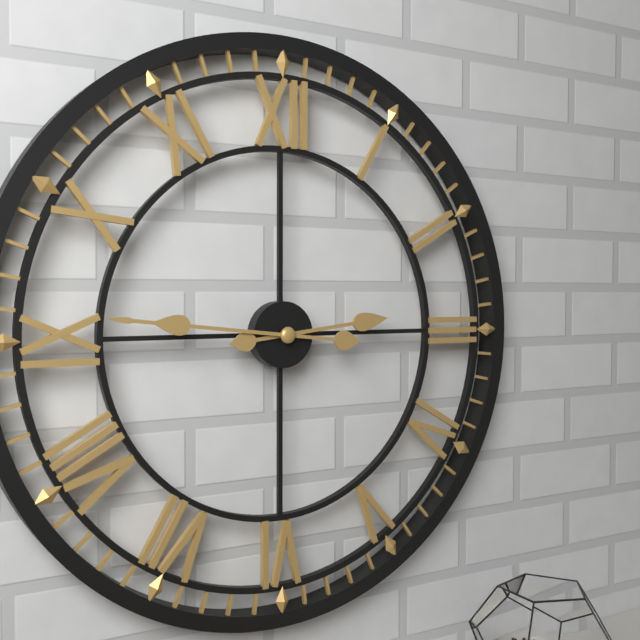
{"hour": 2, "minute": 46}
